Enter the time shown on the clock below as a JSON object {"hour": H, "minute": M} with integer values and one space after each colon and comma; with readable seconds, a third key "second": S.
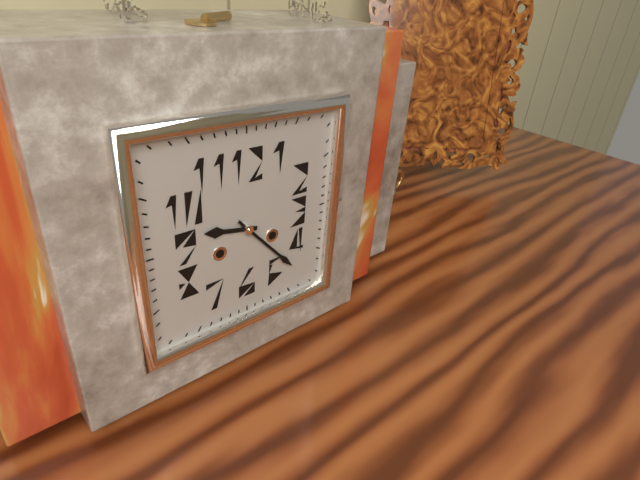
{"hour": 9, "minute": 23}
